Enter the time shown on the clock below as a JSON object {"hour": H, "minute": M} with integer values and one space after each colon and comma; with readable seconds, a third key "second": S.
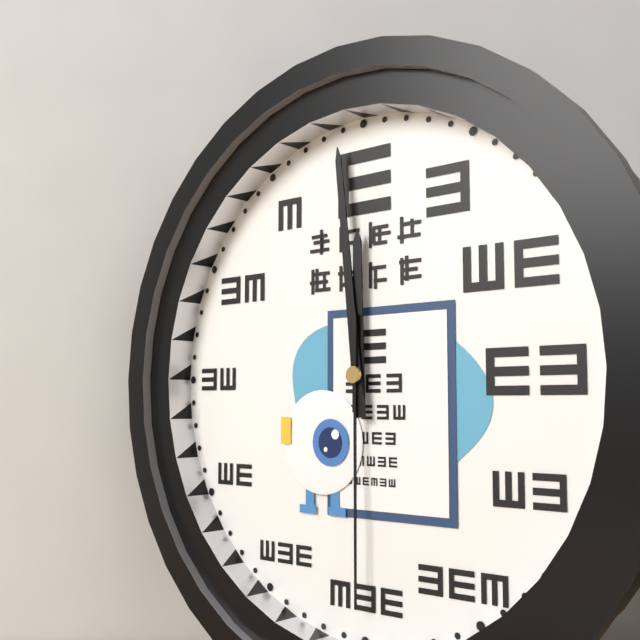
{"hour": 11, "minute": 59, "second": 30}
